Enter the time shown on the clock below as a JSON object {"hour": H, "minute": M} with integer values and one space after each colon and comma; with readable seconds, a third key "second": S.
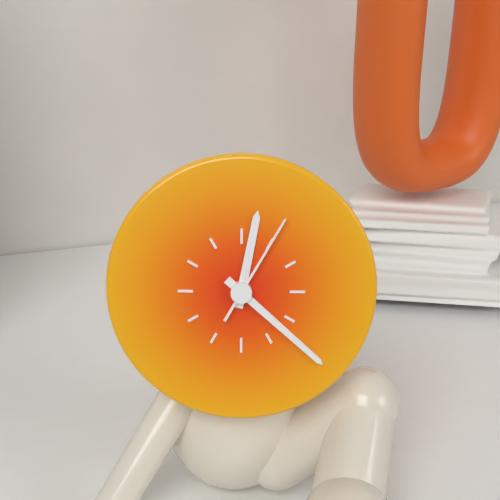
{"hour": 12, "minute": 22, "second": 5}
